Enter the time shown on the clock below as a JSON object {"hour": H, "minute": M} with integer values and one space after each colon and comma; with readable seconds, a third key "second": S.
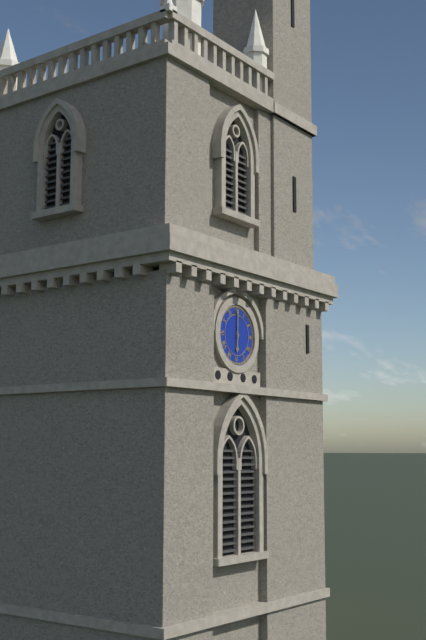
{"hour": 6, "minute": 0}
